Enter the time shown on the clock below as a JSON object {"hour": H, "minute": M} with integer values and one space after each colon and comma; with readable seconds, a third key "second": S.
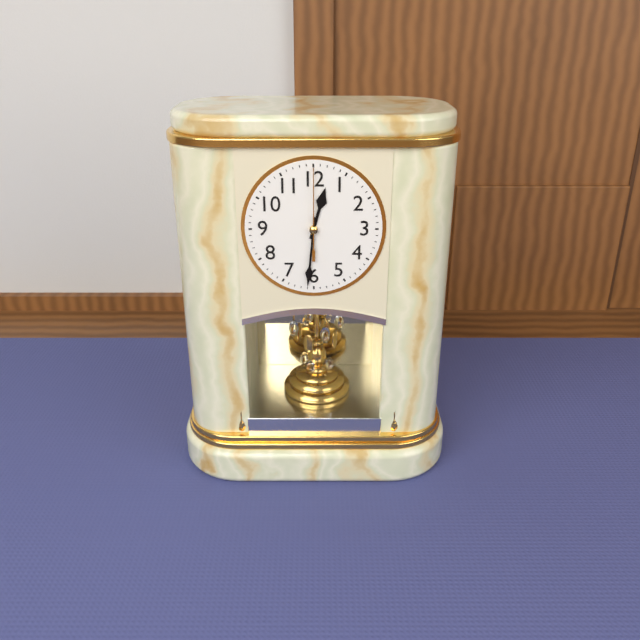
{"hour": 12, "minute": 31, "second": 0}
